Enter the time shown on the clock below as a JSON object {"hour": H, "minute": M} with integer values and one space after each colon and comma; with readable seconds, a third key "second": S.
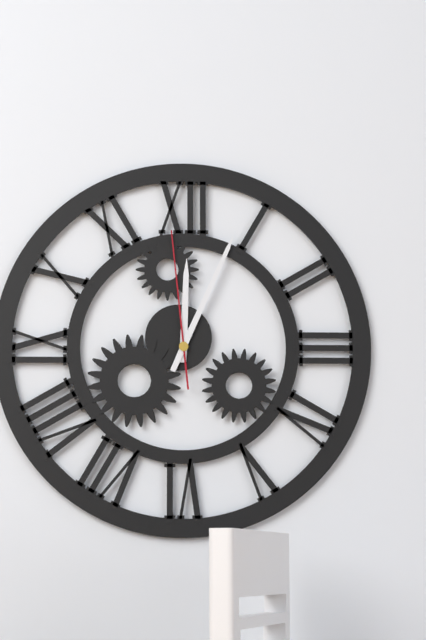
{"hour": 12, "minute": 4, "second": 59}
